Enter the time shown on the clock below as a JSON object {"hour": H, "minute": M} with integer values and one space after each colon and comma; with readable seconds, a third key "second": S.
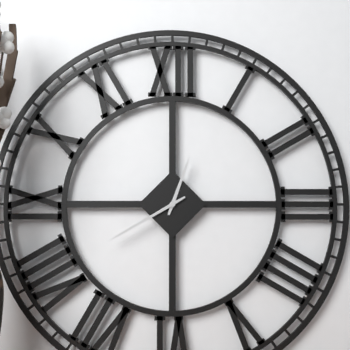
{"hour": 12, "minute": 40}
